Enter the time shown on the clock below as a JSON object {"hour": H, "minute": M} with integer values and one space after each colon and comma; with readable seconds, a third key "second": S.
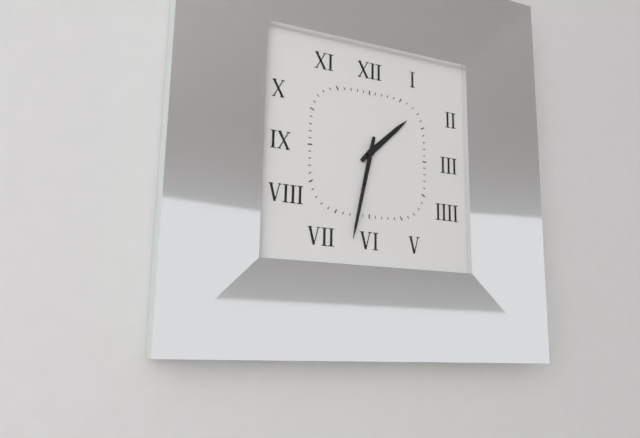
{"hour": 1, "minute": 32}
